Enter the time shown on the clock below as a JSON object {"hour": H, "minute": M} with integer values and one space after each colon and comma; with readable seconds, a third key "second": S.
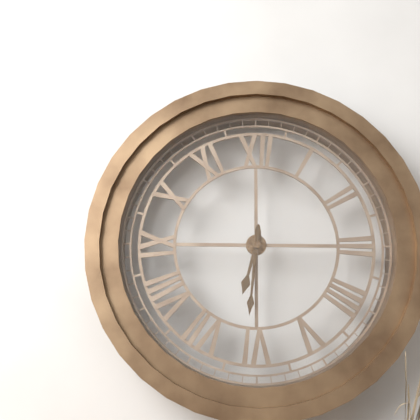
{"hour": 6, "minute": 31}
